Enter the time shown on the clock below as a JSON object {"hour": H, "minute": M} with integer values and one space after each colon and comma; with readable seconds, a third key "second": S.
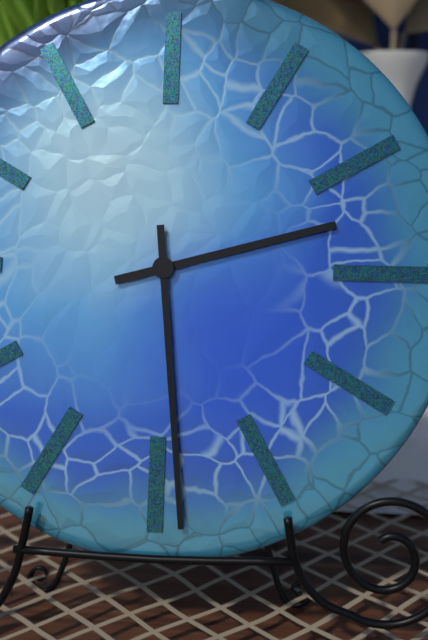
{"hour": 2, "minute": 29}
